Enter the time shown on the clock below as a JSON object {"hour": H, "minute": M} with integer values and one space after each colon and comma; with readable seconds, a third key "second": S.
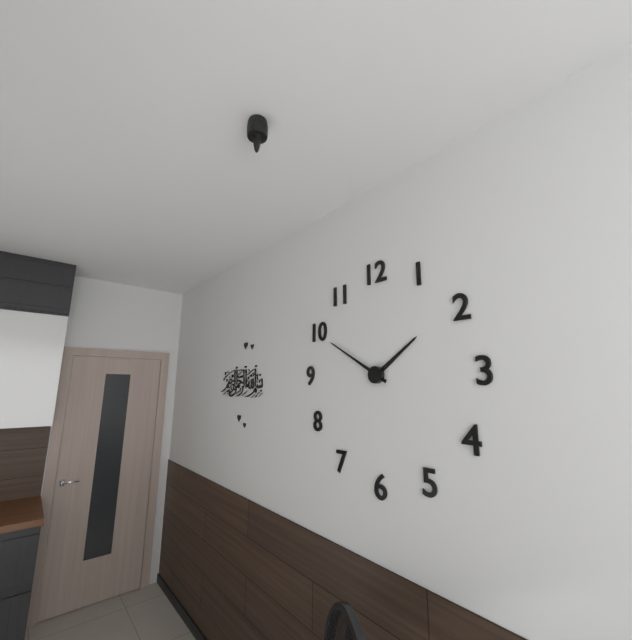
{"hour": 1, "minute": 50}
